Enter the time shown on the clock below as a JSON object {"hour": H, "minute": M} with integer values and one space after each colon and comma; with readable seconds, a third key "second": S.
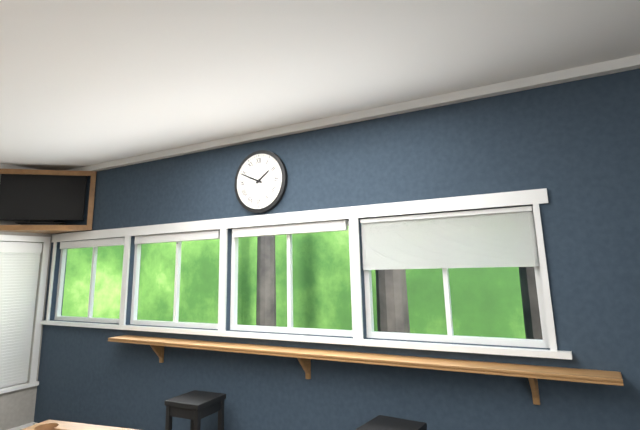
{"hour": 1, "minute": 49}
